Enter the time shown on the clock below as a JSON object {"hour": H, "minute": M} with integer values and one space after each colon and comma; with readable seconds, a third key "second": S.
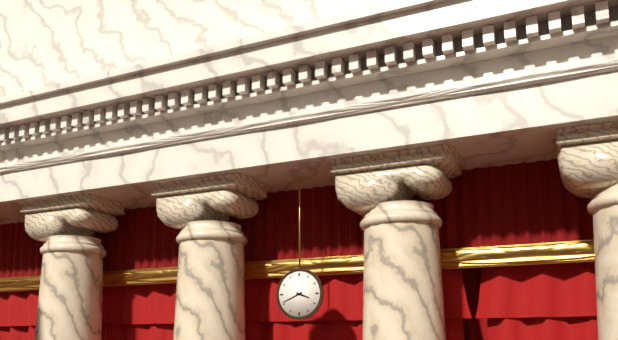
{"hour": 3, "minute": 41}
